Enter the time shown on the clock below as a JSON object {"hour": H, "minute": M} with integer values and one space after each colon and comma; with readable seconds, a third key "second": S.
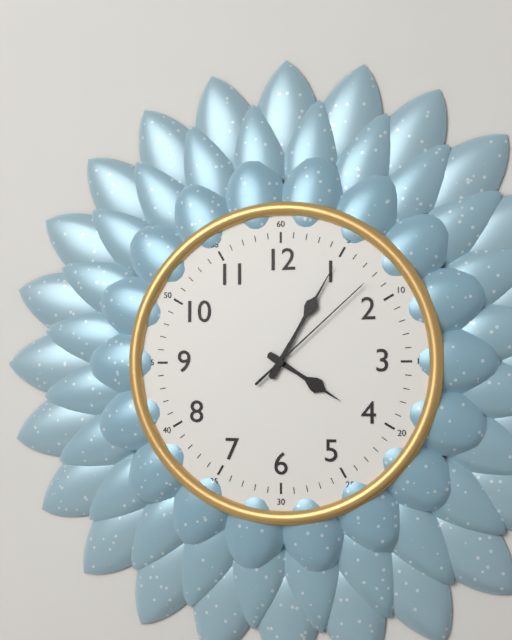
{"hour": 4, "minute": 5, "second": 8}
